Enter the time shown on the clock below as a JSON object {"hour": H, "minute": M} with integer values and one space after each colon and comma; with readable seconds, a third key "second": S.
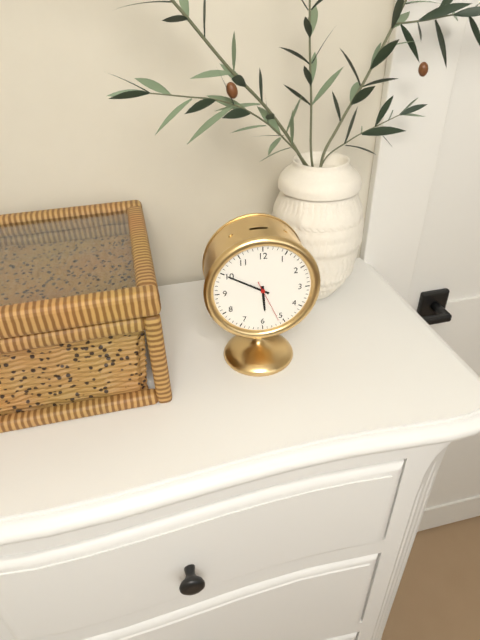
{"hour": 5, "minute": 50}
